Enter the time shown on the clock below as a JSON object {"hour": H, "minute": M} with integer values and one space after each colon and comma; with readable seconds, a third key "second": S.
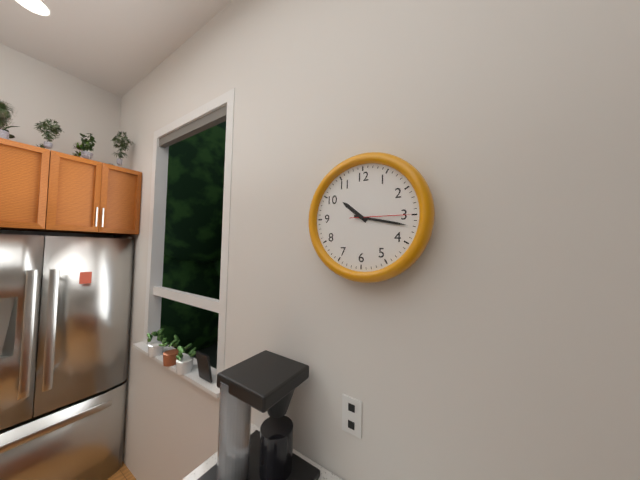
{"hour": 10, "minute": 17, "second": 15}
